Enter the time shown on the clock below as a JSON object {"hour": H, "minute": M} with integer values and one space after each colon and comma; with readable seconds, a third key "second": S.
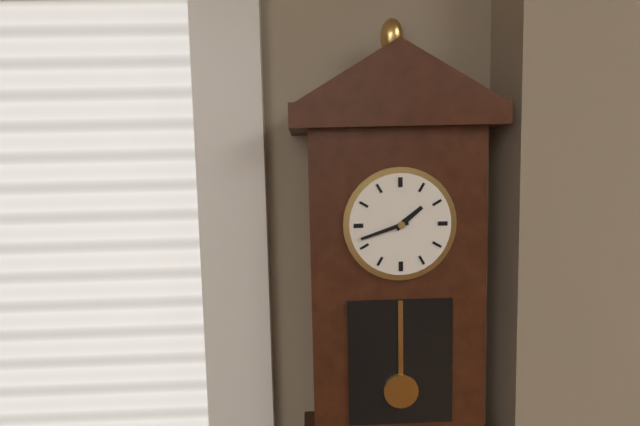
{"hour": 1, "minute": 42}
